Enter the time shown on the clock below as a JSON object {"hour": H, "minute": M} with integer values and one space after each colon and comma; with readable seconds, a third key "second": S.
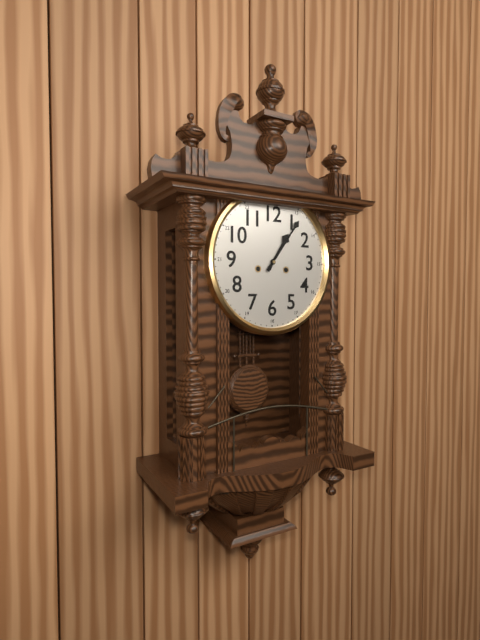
{"hour": 1, "minute": 6}
